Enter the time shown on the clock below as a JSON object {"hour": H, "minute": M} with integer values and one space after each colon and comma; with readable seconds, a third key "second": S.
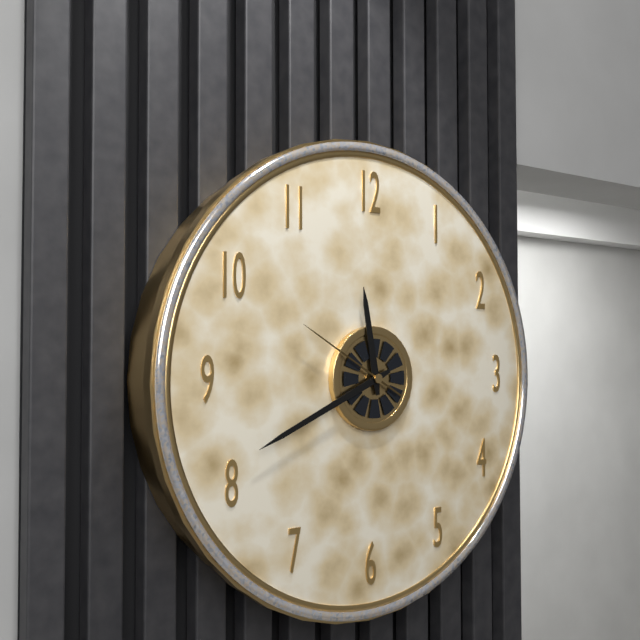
{"hour": 11, "minute": 41, "second": 50}
